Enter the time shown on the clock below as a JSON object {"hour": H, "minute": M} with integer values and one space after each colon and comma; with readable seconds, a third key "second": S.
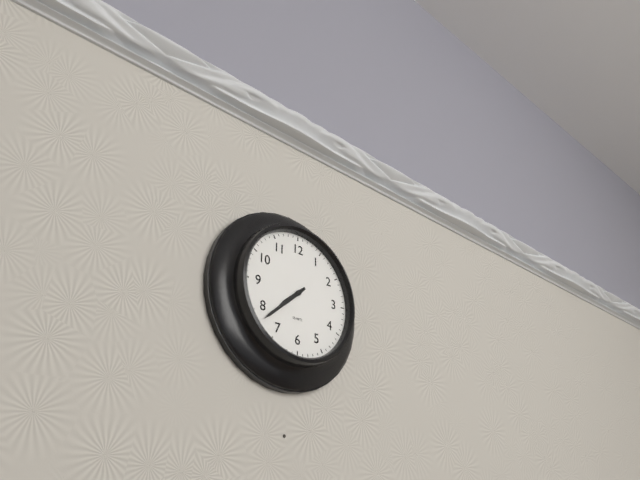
{"hour": 7, "minute": 38}
